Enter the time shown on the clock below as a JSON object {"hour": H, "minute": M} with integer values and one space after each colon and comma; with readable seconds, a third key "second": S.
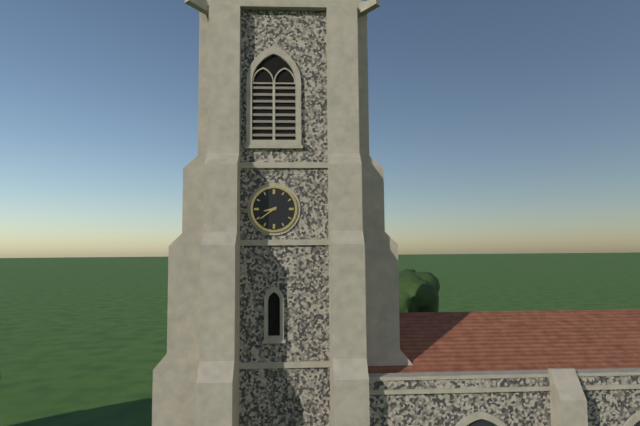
{"hour": 8, "minute": 39}
